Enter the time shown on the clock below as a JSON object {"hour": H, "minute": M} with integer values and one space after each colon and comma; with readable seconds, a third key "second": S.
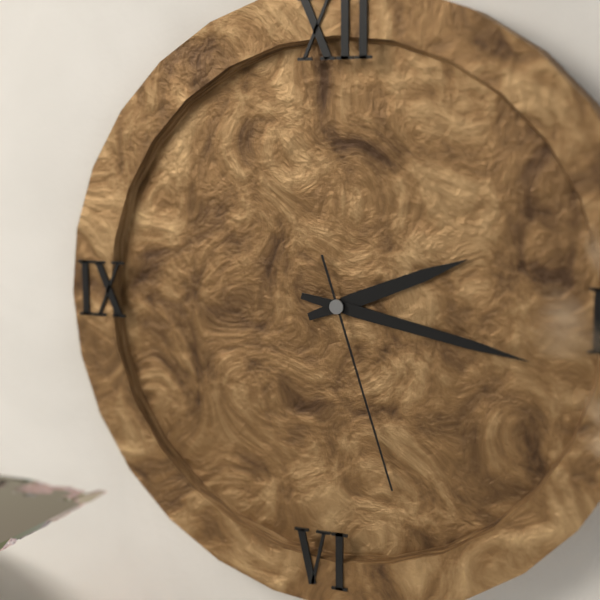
{"hour": 2, "minute": 17, "second": 27}
